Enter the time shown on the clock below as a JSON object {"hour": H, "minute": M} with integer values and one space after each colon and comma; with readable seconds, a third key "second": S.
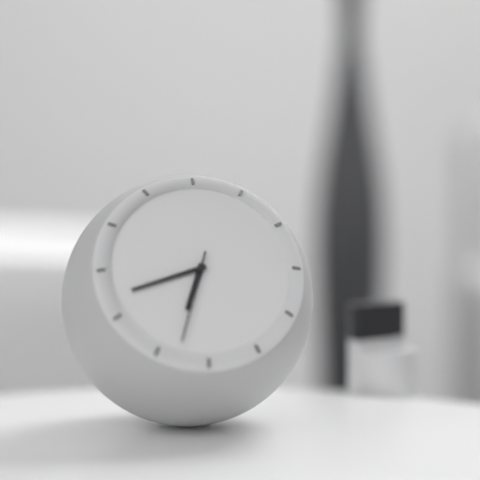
{"hour": 6, "minute": 42, "second": 33}
